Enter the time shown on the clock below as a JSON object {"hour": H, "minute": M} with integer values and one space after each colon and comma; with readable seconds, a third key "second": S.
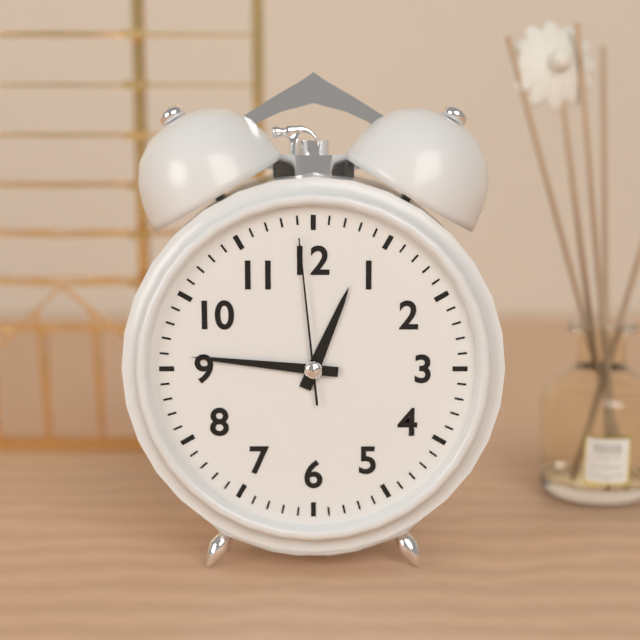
{"hour": 12, "minute": 46, "second": 59}
